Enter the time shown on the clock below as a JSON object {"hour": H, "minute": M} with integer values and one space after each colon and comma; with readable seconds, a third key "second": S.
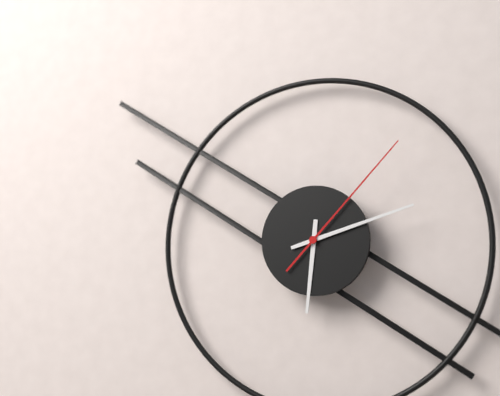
{"hour": 6, "minute": 12, "second": 7}
